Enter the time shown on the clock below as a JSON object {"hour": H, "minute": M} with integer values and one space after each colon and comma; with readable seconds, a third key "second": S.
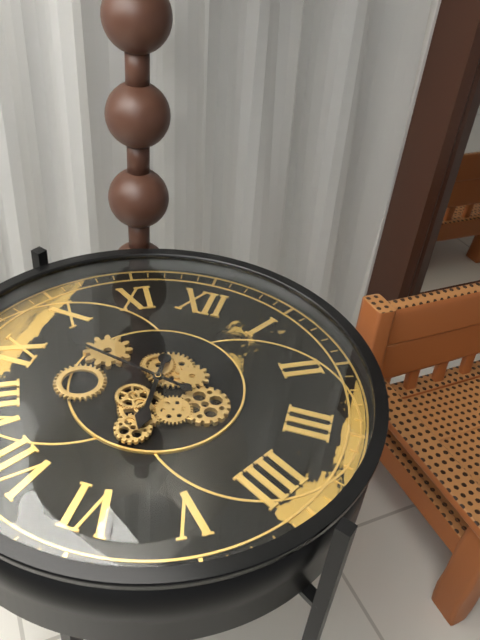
{"hour": 5, "minute": 47}
